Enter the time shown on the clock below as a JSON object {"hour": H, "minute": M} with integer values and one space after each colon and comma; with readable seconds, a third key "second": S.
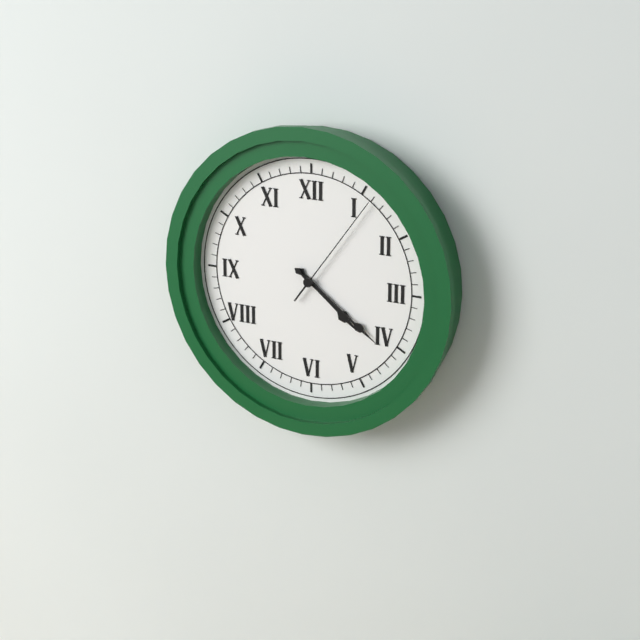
{"hour": 4, "minute": 21, "second": 6}
